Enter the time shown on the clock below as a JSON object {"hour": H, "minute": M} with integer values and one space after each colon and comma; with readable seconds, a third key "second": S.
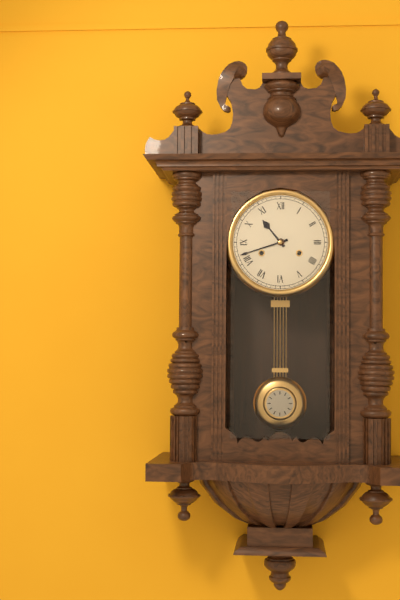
{"hour": 10, "minute": 42}
